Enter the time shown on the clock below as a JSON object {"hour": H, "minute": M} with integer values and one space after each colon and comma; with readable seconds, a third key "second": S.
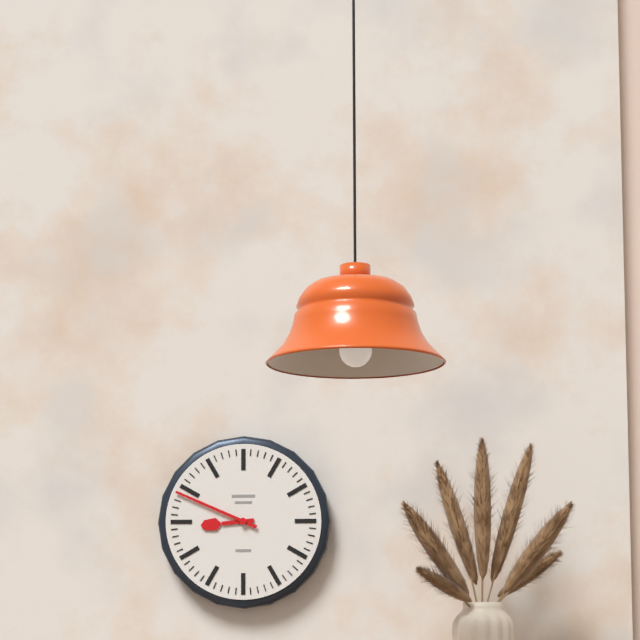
{"hour": 8, "minute": 49}
